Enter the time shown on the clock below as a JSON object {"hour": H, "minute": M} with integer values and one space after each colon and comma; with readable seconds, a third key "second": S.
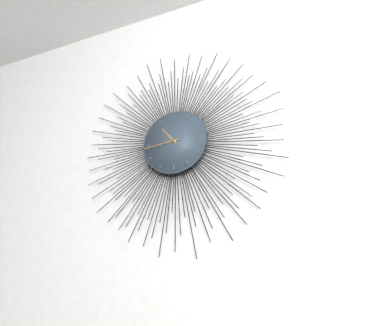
{"hour": 10, "minute": 44}
